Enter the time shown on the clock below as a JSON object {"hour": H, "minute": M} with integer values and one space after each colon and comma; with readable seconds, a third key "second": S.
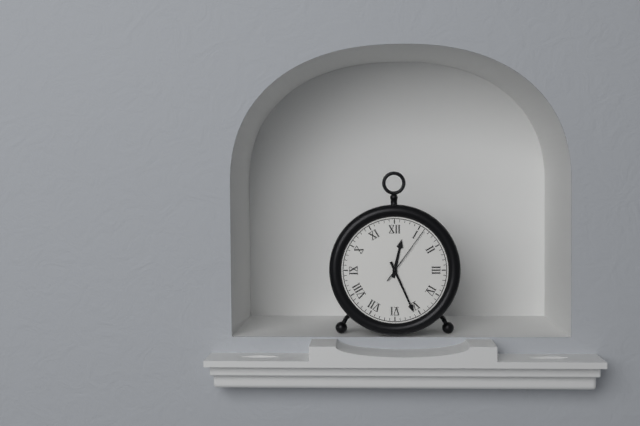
{"hour": 12, "minute": 26, "second": 6}
